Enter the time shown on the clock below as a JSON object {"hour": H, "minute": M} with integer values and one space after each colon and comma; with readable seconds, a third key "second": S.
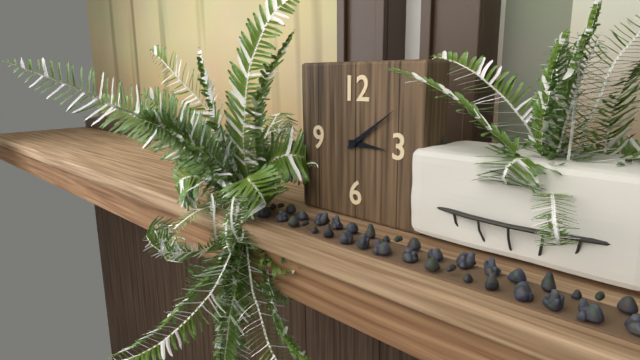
{"hour": 3, "minute": 9}
